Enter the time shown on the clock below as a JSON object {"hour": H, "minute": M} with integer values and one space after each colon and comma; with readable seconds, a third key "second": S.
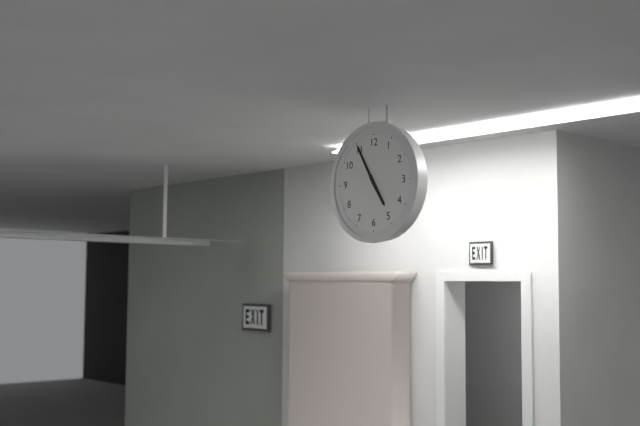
{"hour": 4, "minute": 55}
